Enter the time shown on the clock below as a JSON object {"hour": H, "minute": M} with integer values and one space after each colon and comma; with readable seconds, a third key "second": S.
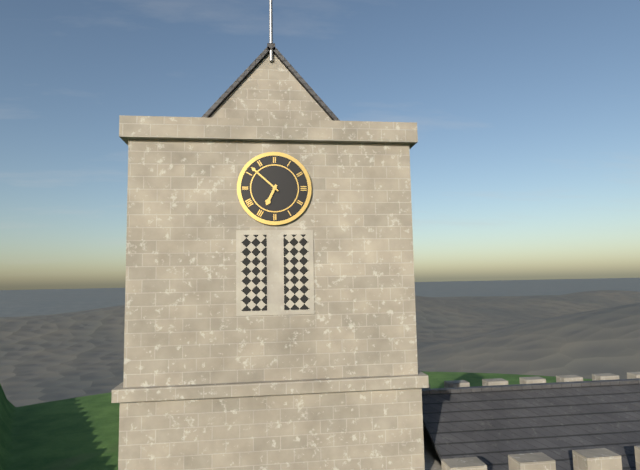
{"hour": 6, "minute": 52}
